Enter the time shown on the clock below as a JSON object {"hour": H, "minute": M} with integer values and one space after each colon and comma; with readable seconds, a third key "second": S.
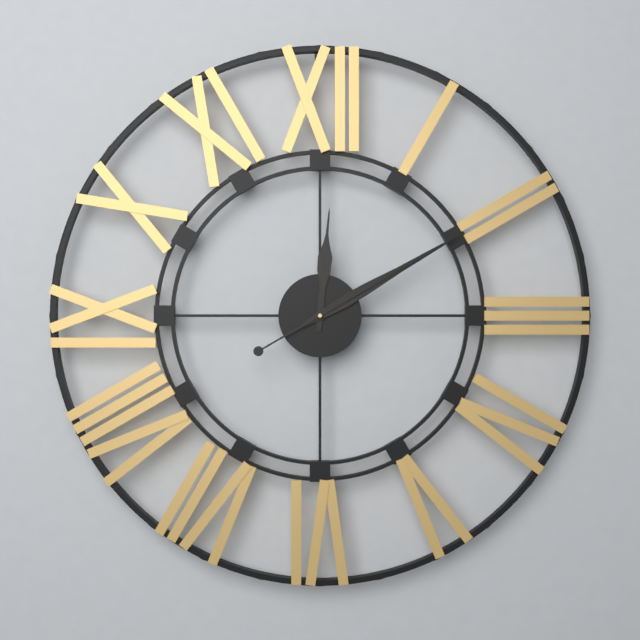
{"hour": 12, "minute": 10, "second": 10}
